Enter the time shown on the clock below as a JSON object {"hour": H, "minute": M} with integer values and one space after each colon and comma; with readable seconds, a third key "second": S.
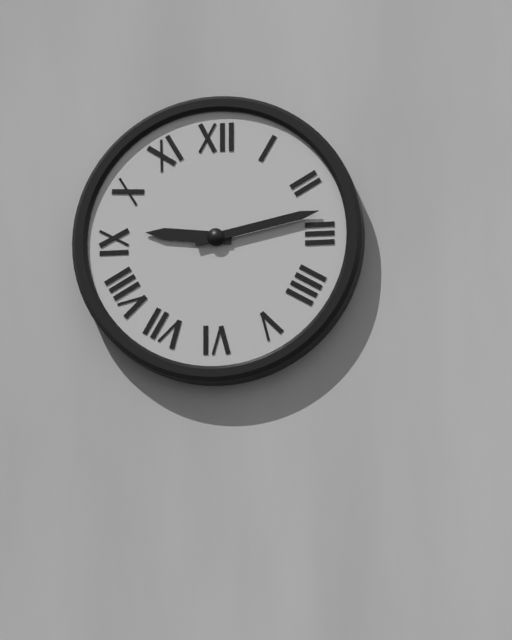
{"hour": 9, "minute": 13}
